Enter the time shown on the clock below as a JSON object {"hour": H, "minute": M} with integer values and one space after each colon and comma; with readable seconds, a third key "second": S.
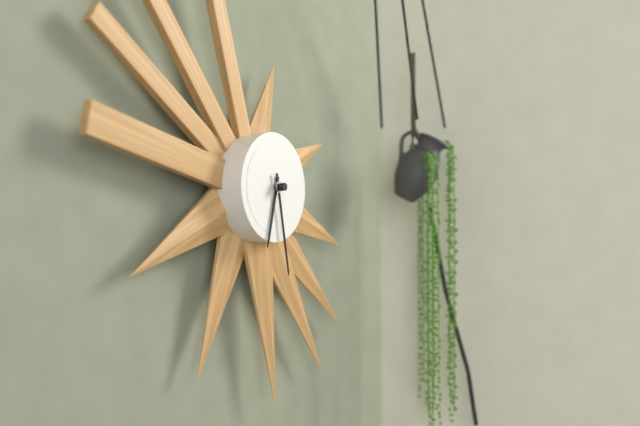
{"hour": 6, "minute": 28}
